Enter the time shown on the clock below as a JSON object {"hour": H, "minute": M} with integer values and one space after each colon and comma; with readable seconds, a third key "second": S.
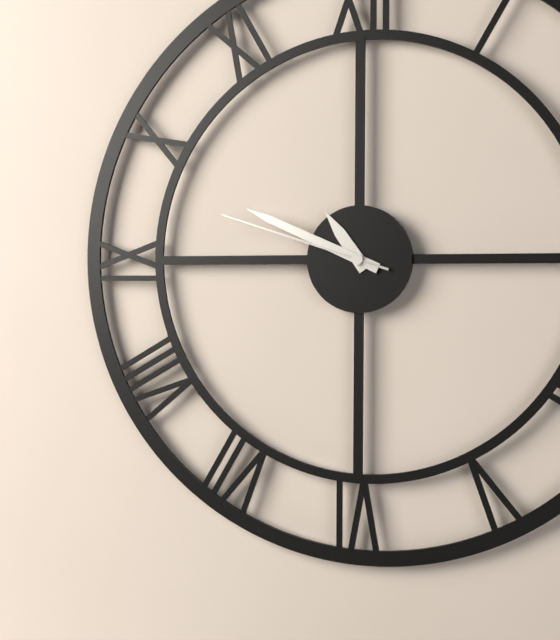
{"hour": 10, "minute": 49, "second": 48}
